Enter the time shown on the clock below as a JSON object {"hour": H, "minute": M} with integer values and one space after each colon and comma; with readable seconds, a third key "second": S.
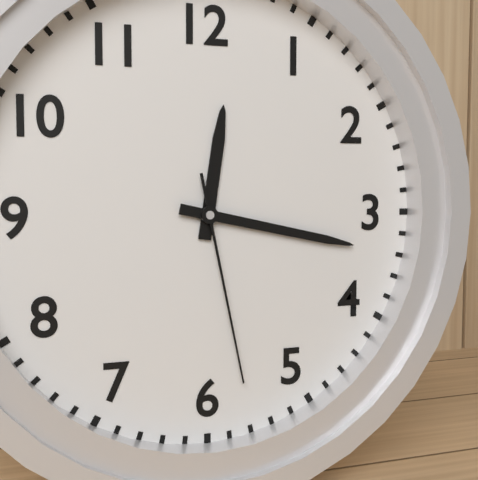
{"hour": 12, "minute": 17, "second": 28}
